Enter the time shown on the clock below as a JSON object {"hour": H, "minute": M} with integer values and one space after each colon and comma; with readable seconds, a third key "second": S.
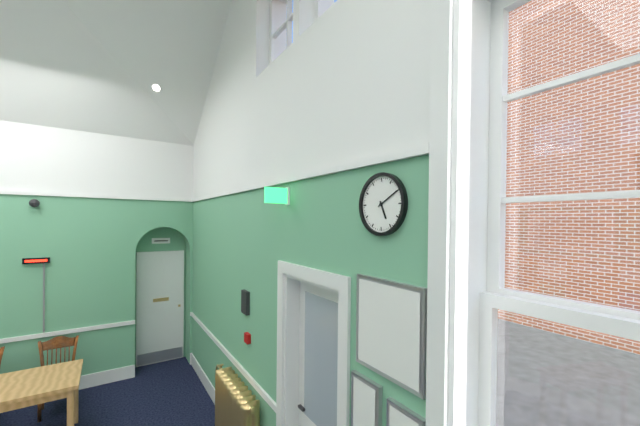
{"hour": 5, "minute": 10}
